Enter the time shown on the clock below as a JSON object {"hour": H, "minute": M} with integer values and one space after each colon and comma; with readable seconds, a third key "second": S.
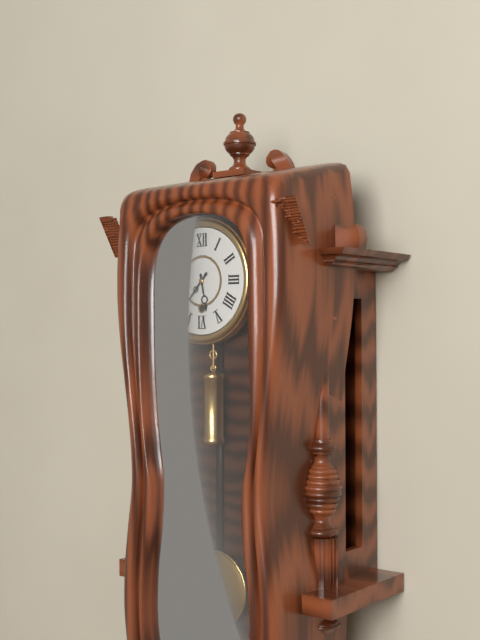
{"hour": 5, "minute": 37}
